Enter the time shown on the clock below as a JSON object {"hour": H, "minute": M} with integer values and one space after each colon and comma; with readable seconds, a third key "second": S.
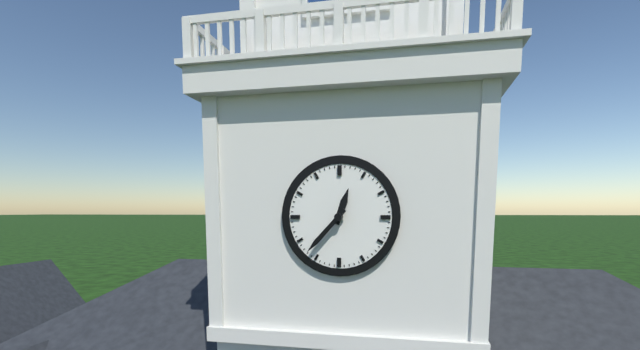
{"hour": 12, "minute": 37}
